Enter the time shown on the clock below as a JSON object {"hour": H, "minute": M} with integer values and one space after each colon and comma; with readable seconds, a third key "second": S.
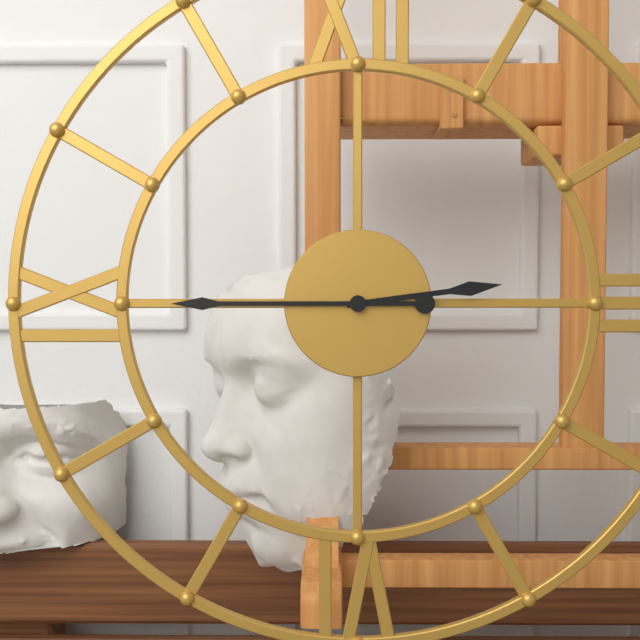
{"hour": 2, "minute": 45}
